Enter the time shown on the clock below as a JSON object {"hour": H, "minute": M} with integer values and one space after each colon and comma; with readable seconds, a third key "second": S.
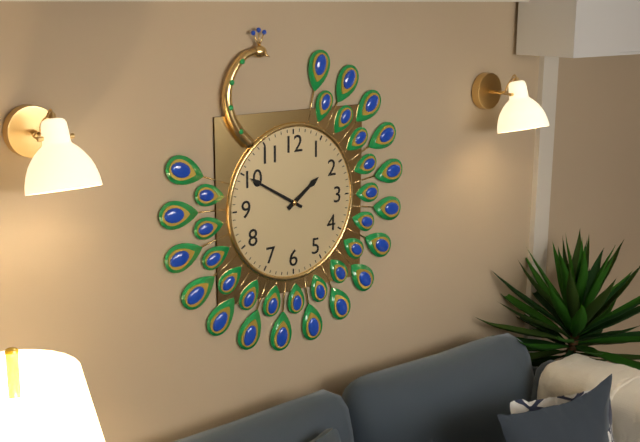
{"hour": 1, "minute": 50}
